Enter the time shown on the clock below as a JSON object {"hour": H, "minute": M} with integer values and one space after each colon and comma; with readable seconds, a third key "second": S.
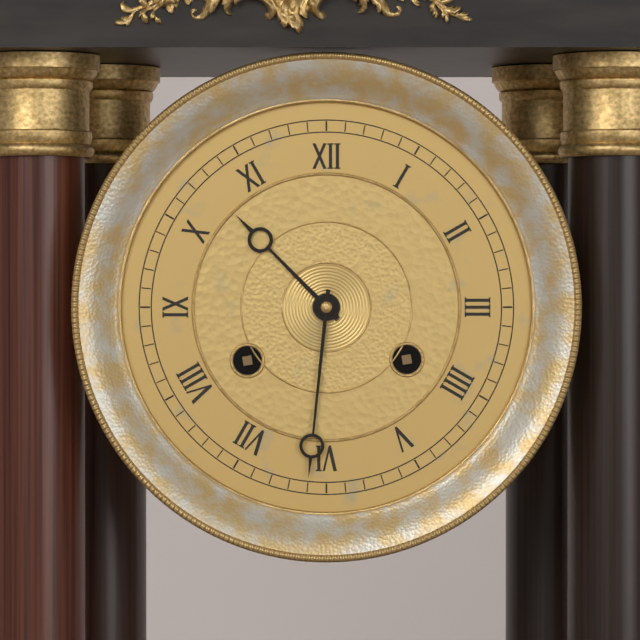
{"hour": 10, "minute": 31}
